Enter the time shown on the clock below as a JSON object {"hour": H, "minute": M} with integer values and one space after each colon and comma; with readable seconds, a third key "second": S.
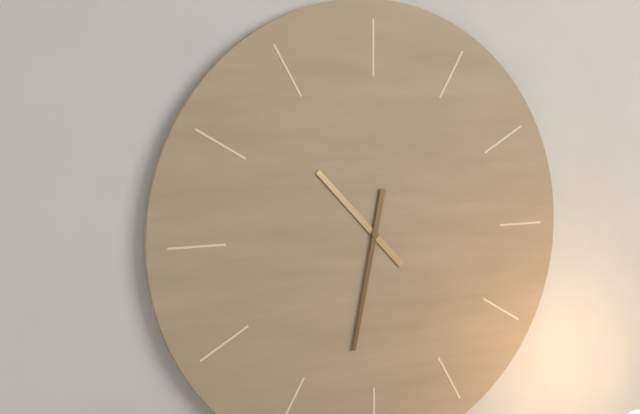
{"hour": 10, "minute": 32}
